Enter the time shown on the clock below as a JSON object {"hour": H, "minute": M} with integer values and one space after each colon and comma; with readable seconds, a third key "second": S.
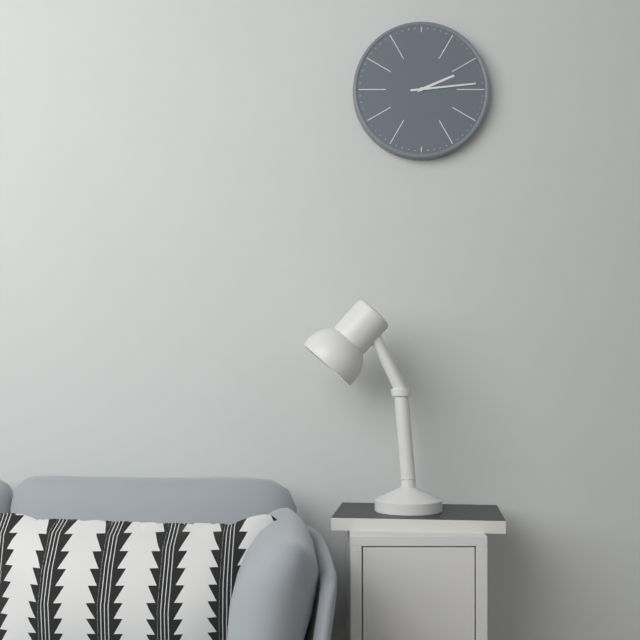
{"hour": 2, "minute": 14}
